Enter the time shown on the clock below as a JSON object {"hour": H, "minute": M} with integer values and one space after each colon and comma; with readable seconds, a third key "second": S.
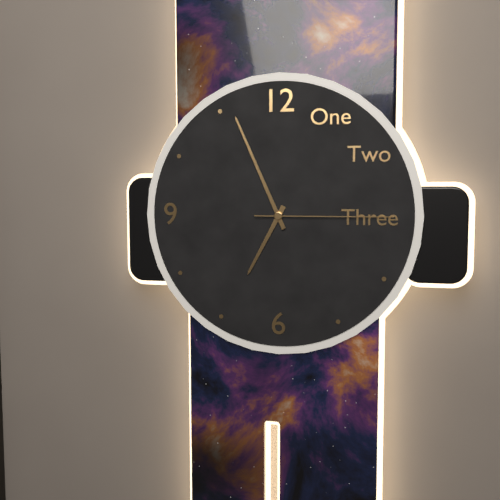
{"hour": 6, "minute": 56, "second": 15}
